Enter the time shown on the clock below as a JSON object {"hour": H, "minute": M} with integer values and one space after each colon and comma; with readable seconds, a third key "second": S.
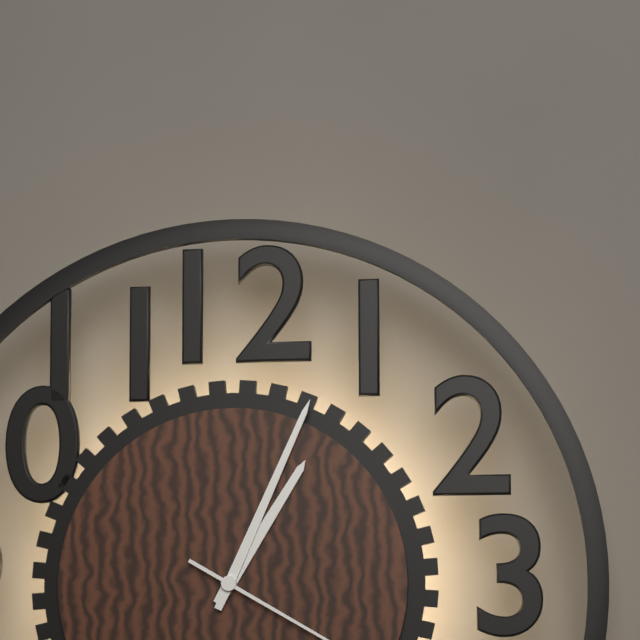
{"hour": 1, "minute": 4}
